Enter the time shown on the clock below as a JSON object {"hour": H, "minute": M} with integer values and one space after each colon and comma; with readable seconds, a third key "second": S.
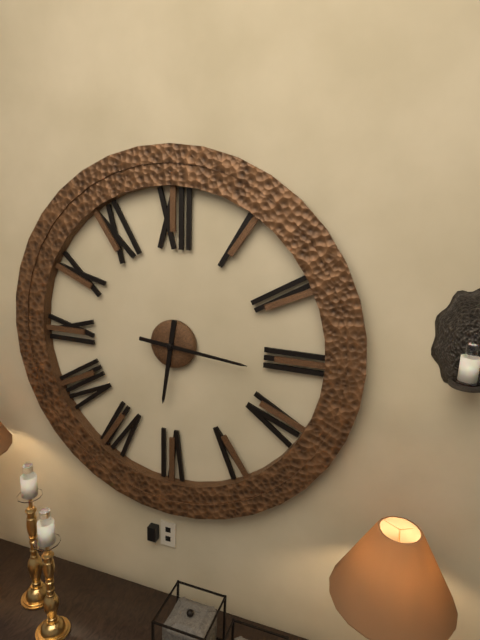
{"hour": 6, "minute": 16}
